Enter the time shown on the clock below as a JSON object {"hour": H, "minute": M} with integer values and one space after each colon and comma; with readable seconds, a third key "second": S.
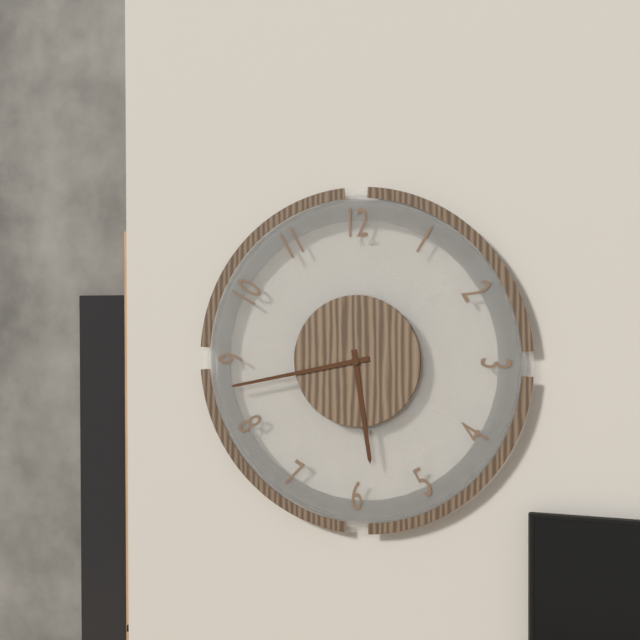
{"hour": 5, "minute": 43}
